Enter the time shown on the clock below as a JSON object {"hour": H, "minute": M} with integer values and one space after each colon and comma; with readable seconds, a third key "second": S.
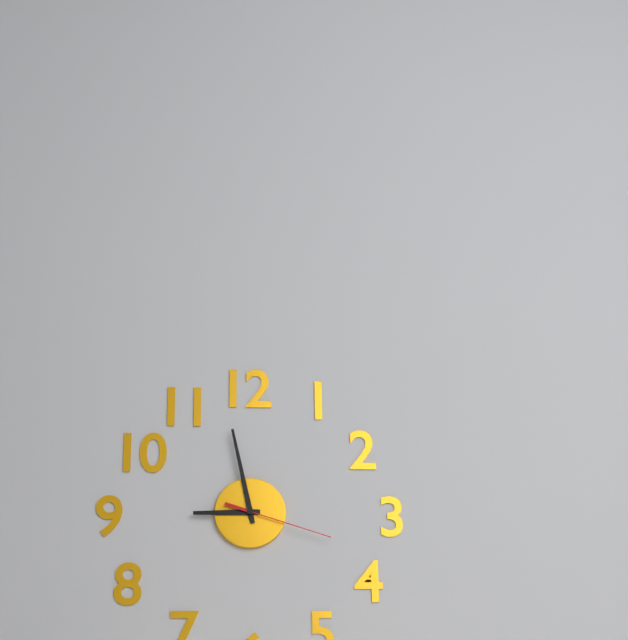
{"hour": 8, "minute": 58, "second": 18}
